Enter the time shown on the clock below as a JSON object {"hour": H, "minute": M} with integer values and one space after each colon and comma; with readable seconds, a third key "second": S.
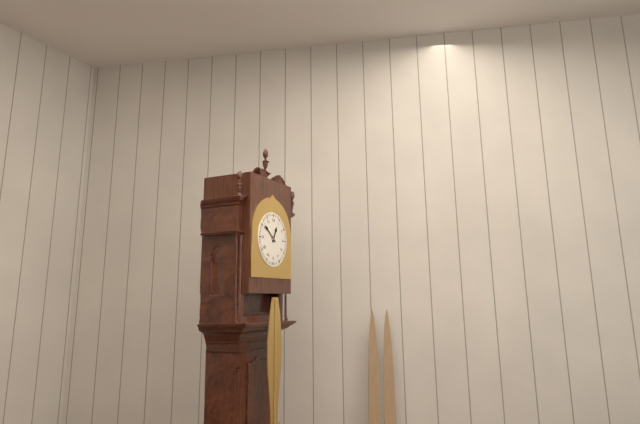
{"hour": 12, "minute": 51}
